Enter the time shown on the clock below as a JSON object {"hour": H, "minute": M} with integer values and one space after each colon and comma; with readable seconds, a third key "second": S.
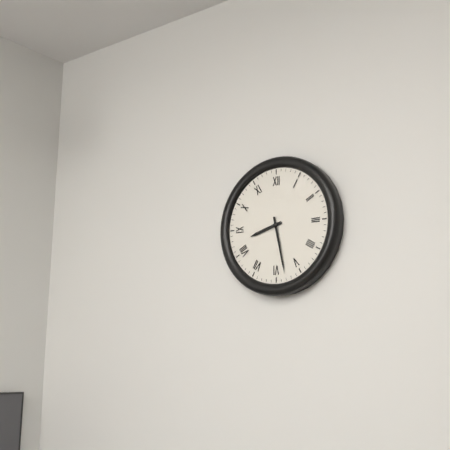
{"hour": 8, "minute": 28}
